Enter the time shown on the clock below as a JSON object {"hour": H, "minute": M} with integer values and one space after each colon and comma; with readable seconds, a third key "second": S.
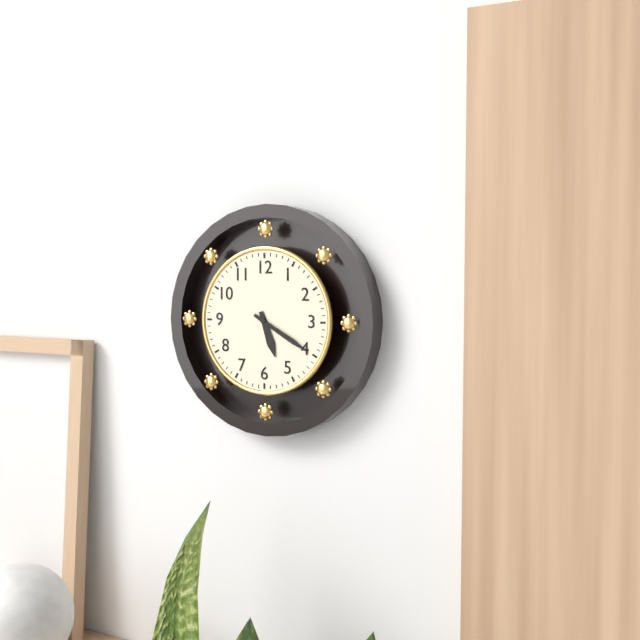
{"hour": 5, "minute": 20}
